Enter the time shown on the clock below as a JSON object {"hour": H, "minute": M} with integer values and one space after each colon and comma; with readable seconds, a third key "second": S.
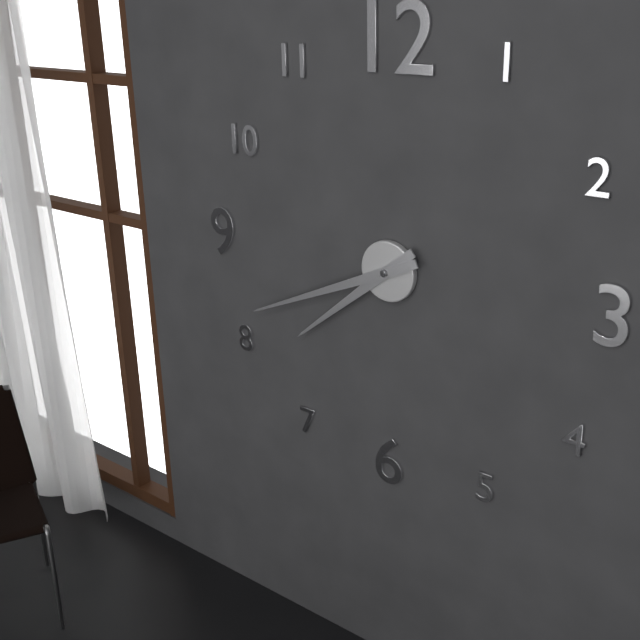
{"hour": 7, "minute": 41}
